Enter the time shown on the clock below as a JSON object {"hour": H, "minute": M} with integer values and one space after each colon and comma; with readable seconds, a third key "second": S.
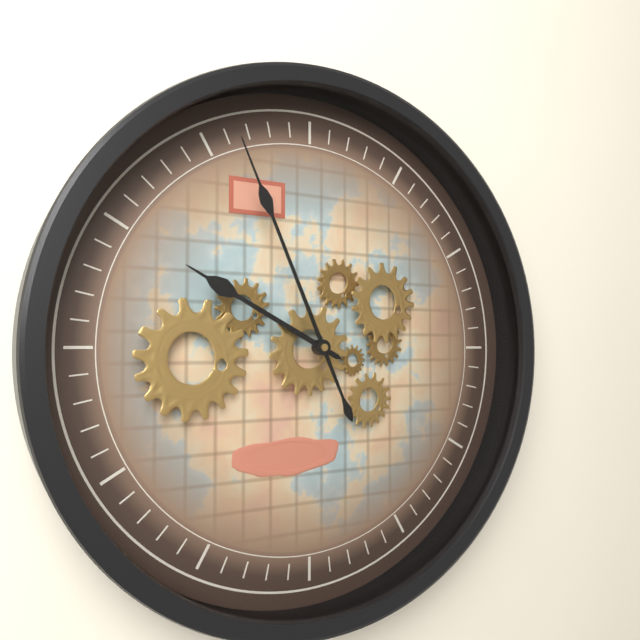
{"hour": 9, "minute": 56}
